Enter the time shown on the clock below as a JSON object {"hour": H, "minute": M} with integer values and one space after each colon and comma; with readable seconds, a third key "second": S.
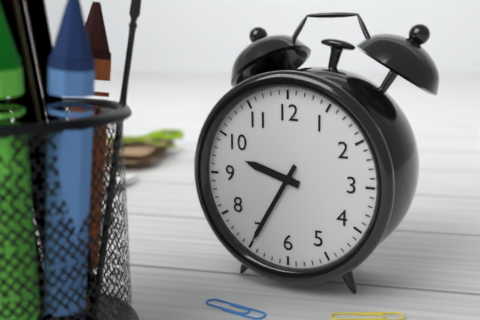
{"hour": 9, "minute": 35}
